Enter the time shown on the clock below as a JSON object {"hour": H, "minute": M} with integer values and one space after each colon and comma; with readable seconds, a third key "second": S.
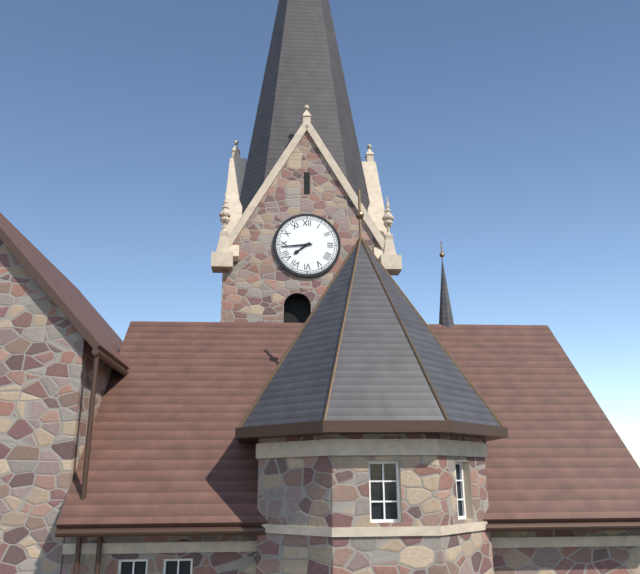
{"hour": 7, "minute": 44}
